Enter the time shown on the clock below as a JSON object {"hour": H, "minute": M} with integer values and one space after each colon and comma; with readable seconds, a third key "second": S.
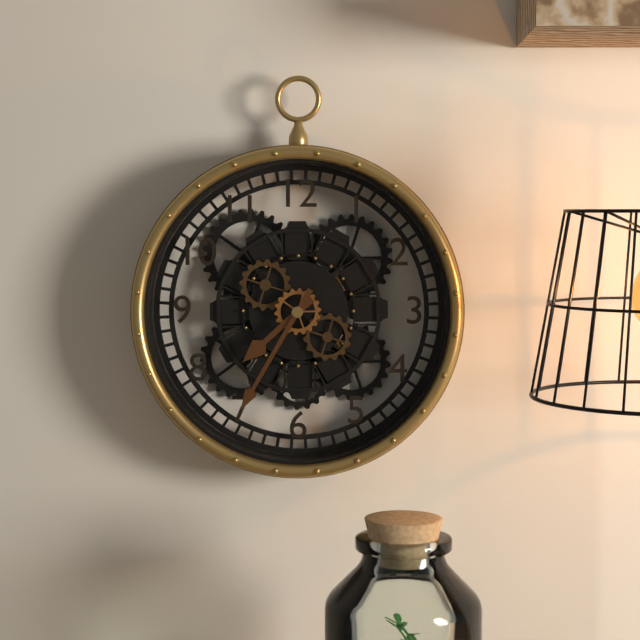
{"hour": 7, "minute": 35}
